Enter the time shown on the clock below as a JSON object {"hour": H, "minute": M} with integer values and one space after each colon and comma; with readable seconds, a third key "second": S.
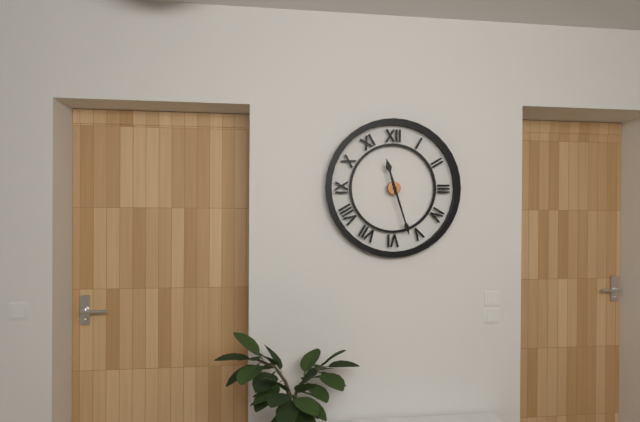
{"hour": 11, "minute": 27}
